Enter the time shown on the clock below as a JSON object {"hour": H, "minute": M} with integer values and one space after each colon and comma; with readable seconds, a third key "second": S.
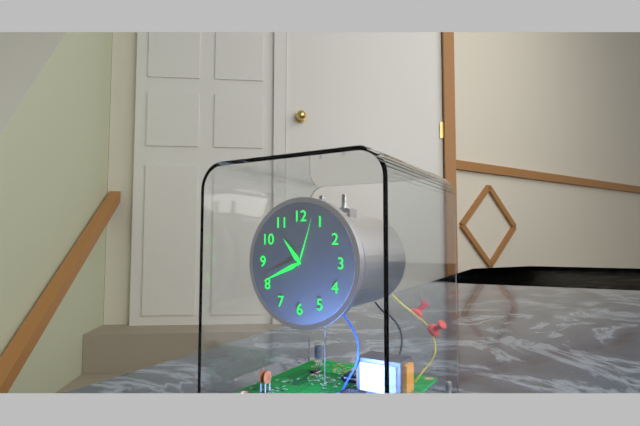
{"hour": 10, "minute": 41, "second": 3}
